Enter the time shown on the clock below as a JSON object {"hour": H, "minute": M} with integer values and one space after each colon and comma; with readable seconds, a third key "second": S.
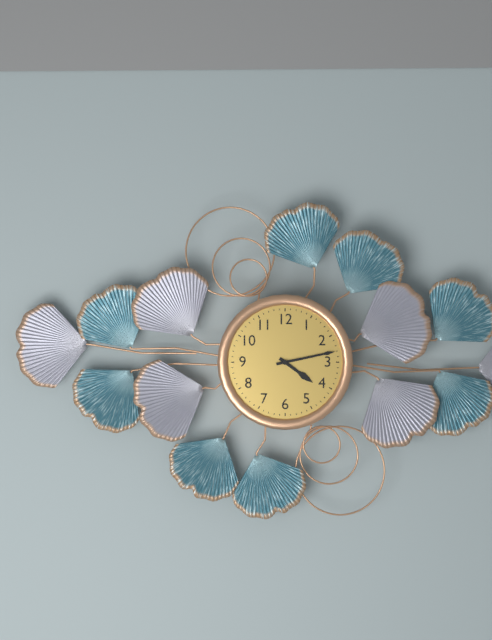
{"hour": 4, "minute": 13}
